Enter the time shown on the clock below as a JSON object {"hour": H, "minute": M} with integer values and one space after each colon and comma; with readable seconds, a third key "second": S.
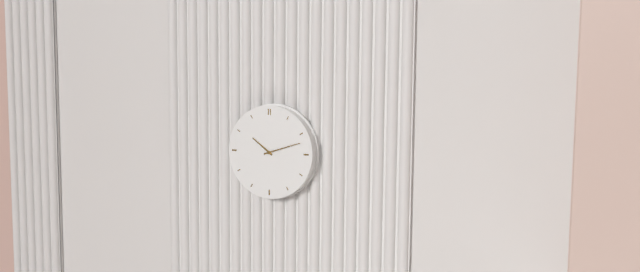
{"hour": 10, "minute": 12}
